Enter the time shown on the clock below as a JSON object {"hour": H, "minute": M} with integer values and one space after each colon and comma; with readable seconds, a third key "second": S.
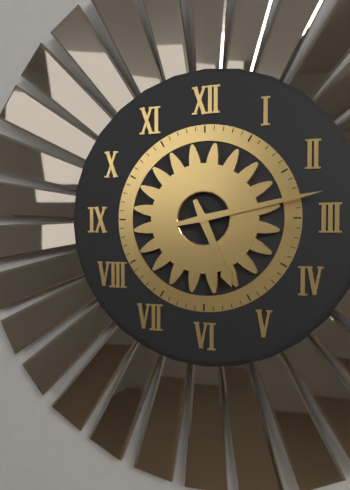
{"hour": 5, "minute": 13}
